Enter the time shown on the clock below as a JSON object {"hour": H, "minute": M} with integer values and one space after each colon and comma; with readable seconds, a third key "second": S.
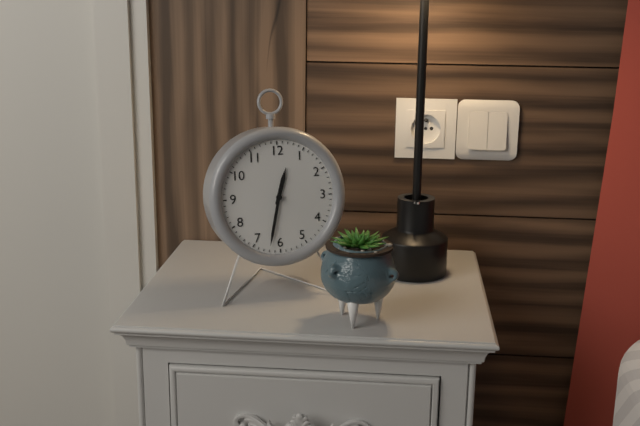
{"hour": 12, "minute": 32}
